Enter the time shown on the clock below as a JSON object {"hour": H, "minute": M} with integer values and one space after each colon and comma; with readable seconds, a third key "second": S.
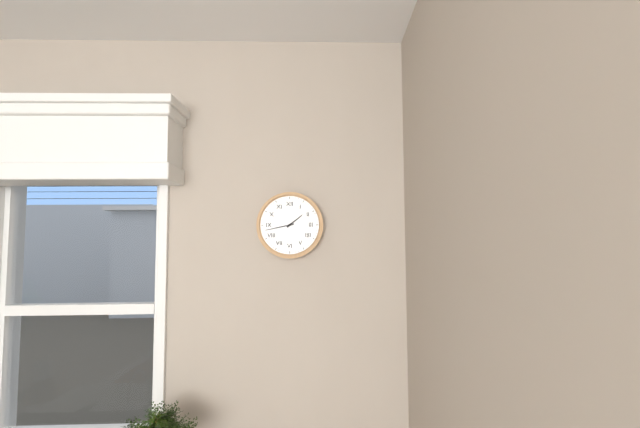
{"hour": 1, "minute": 43}
